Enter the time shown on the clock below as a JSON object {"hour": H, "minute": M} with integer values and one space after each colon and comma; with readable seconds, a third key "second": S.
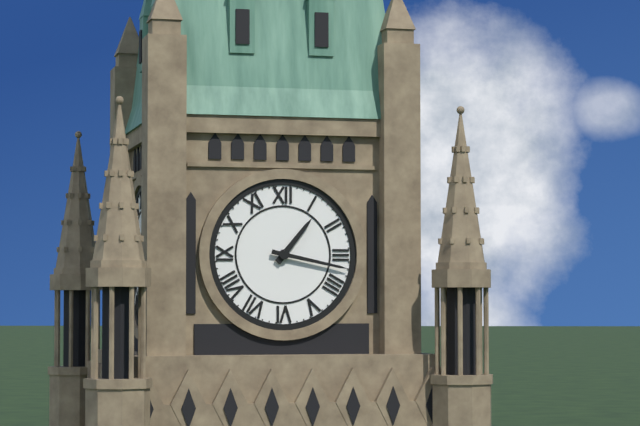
{"hour": 1, "minute": 17}
